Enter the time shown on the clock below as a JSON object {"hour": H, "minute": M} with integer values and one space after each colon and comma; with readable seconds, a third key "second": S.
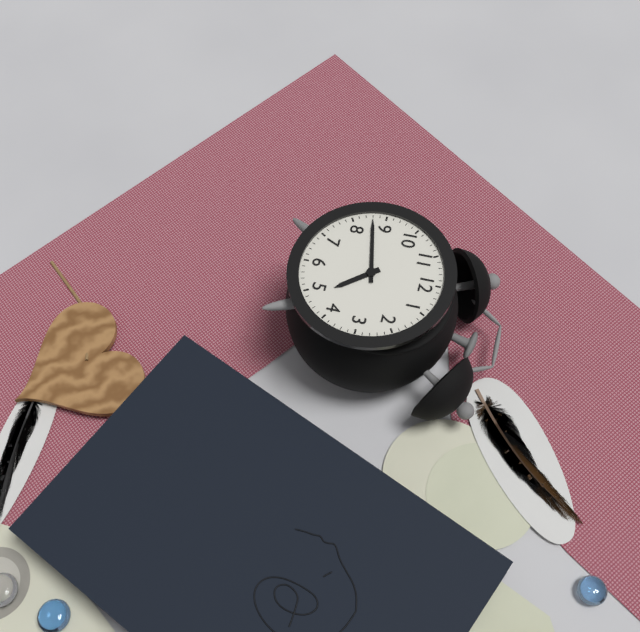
{"hour": 4, "minute": 43}
